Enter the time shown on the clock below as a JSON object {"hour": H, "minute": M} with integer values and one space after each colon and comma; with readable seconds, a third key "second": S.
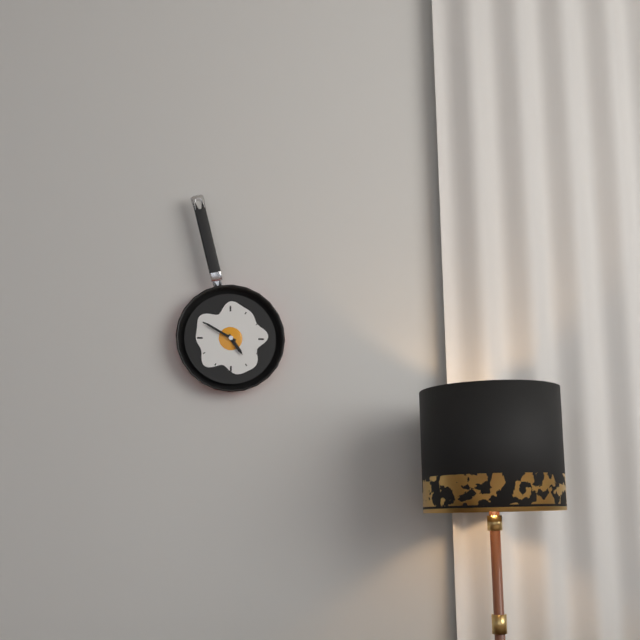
{"hour": 4, "minute": 50}
